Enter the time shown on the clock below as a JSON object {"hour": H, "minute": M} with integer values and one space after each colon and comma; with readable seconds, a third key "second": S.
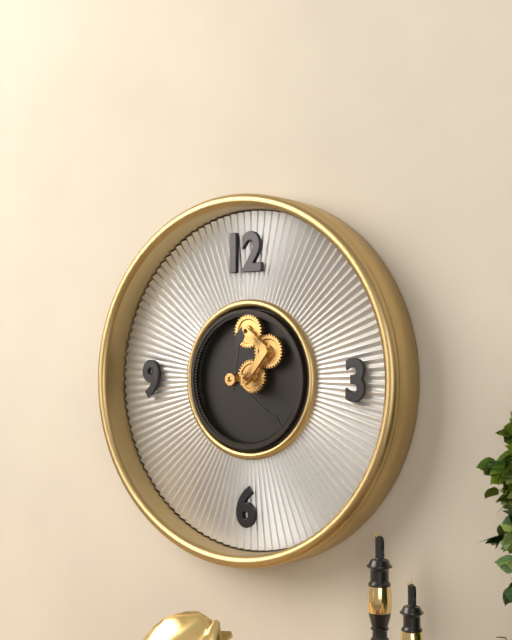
{"hour": 12, "minute": 21}
